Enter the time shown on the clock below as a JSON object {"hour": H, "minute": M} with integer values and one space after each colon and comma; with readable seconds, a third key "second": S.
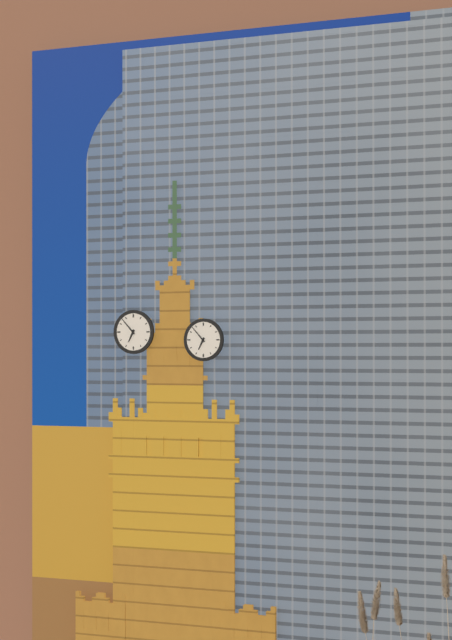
{"hour": 6, "minute": 53}
